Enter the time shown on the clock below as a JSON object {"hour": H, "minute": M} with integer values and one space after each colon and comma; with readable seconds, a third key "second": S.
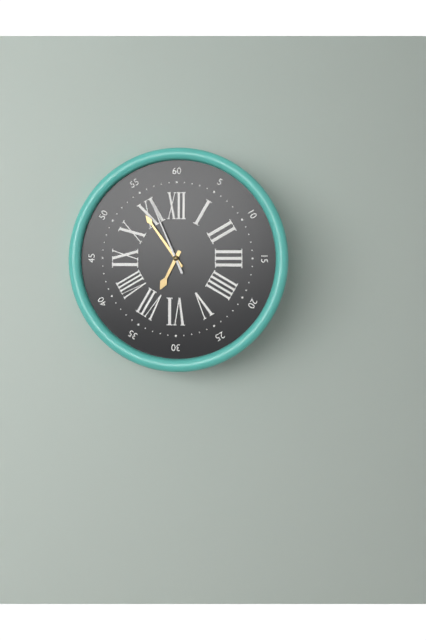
{"hour": 6, "minute": 54, "second": 56}
